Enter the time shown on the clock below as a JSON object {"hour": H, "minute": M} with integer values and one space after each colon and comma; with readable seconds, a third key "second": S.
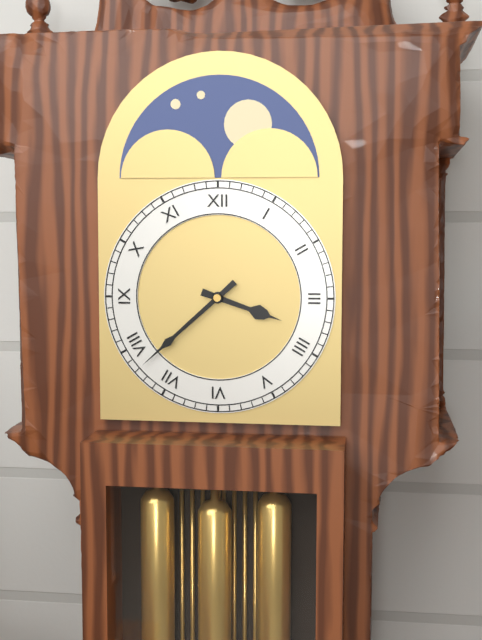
{"hour": 3, "minute": 38}
